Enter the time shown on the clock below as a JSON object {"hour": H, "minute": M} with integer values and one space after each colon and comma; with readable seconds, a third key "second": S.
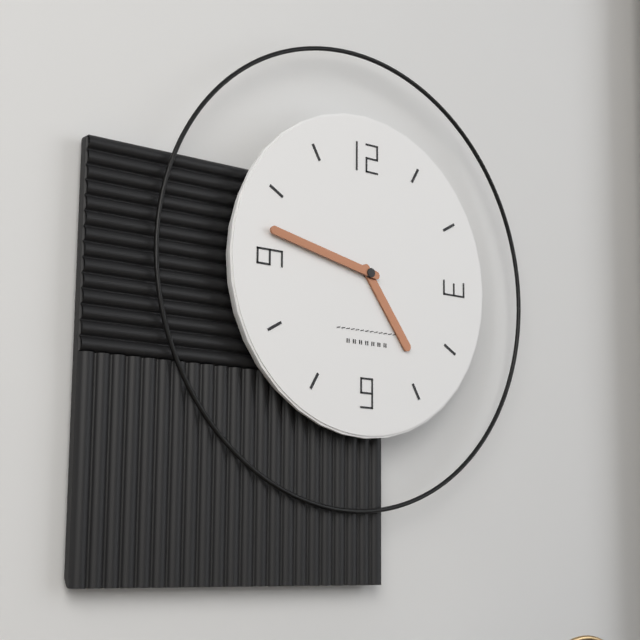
{"hour": 4, "minute": 47}
